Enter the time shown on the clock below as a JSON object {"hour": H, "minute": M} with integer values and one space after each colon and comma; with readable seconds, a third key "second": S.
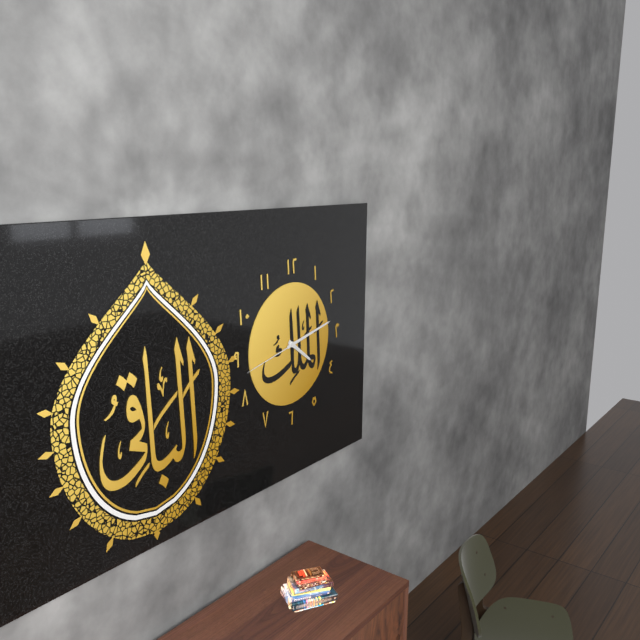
{"hour": 4, "minute": 13, "second": 43}
